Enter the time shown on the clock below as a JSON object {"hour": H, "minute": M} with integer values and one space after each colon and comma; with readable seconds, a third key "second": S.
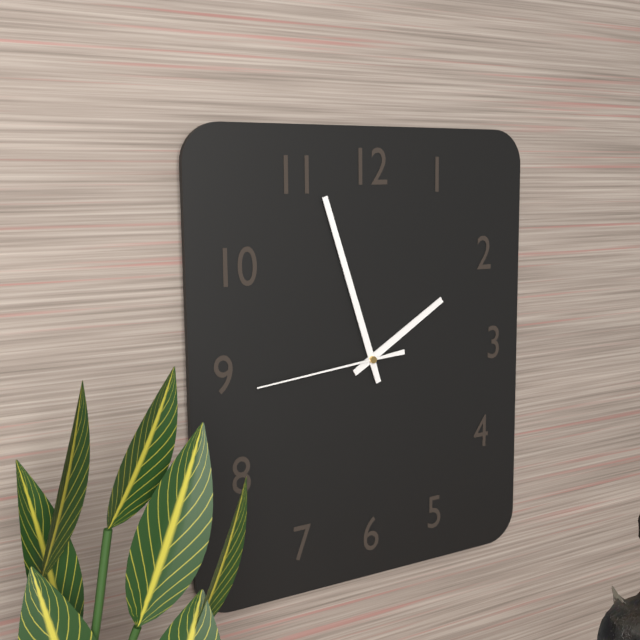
{"hour": 1, "minute": 57, "second": 44}
